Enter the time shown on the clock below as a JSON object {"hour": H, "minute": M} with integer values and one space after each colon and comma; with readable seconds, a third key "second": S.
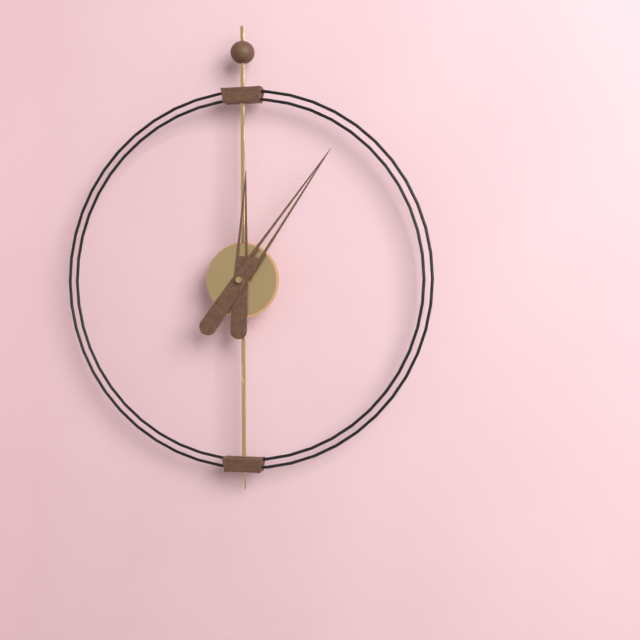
{"hour": 12, "minute": 6}
